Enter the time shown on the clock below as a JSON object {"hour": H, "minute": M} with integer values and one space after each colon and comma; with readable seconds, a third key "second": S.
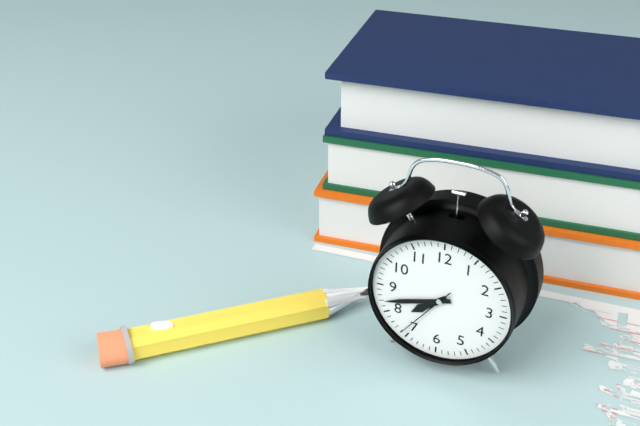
{"hour": 7, "minute": 42, "second": 36}
